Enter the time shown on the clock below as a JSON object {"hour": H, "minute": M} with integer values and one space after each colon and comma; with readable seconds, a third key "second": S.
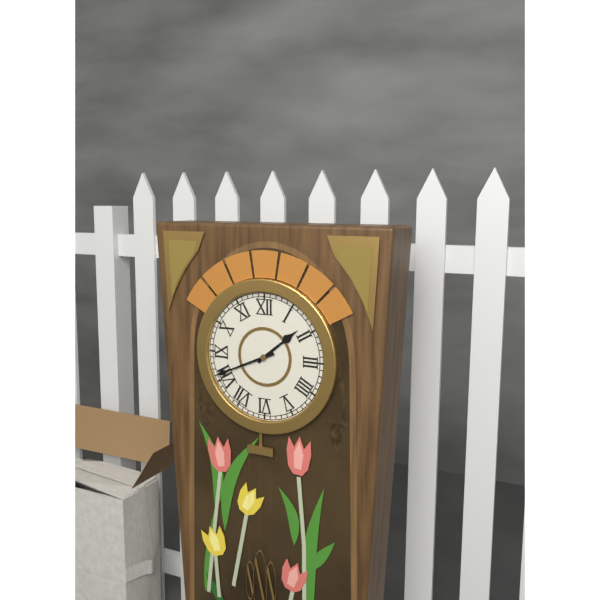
{"hour": 1, "minute": 41}
